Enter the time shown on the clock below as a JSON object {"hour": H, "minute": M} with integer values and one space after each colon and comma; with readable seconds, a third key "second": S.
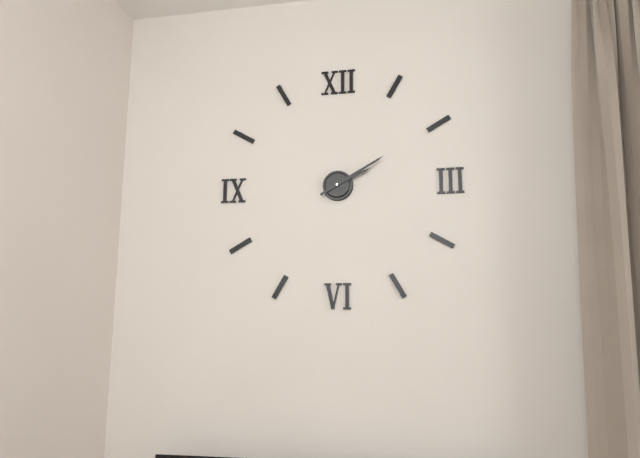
{"hour": 2, "minute": 10}
